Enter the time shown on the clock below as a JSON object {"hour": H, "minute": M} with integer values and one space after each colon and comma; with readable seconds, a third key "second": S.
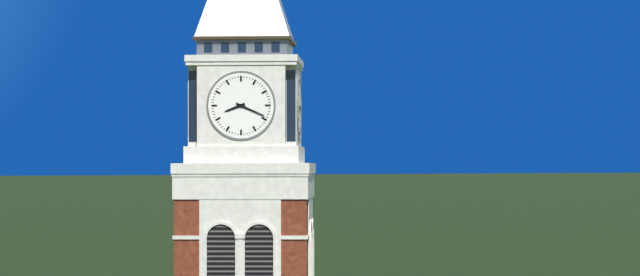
{"hour": 8, "minute": 19}
